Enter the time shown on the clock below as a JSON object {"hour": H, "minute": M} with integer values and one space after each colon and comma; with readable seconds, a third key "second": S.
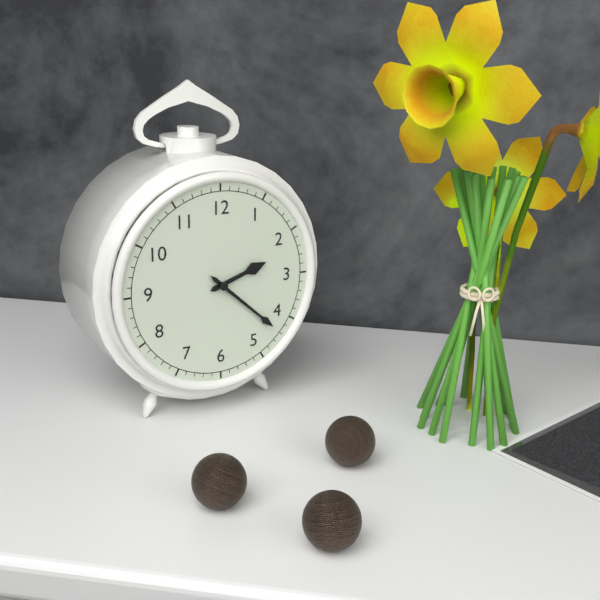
{"hour": 2, "minute": 22}
